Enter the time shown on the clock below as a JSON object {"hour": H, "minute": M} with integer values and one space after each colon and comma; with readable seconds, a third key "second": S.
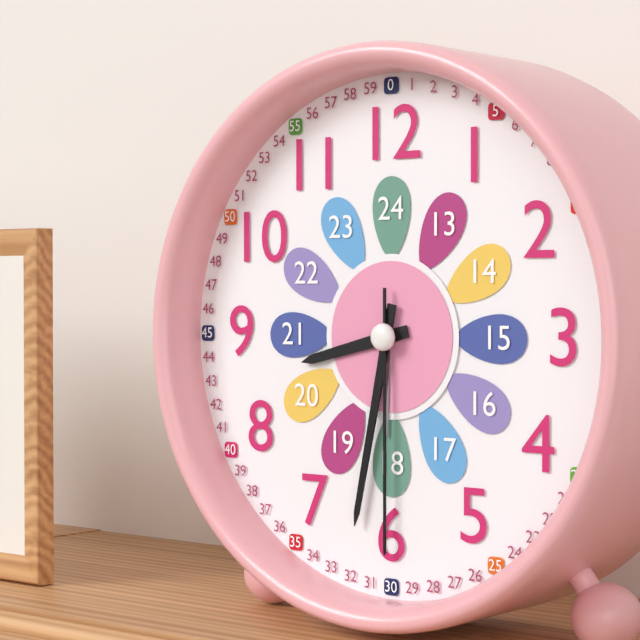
{"hour": 8, "minute": 32, "second": 30}
